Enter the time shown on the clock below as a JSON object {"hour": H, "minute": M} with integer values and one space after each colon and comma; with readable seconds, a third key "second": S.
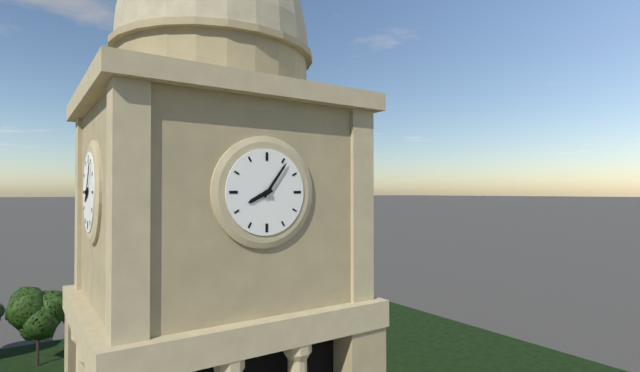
{"hour": 8, "minute": 6}
